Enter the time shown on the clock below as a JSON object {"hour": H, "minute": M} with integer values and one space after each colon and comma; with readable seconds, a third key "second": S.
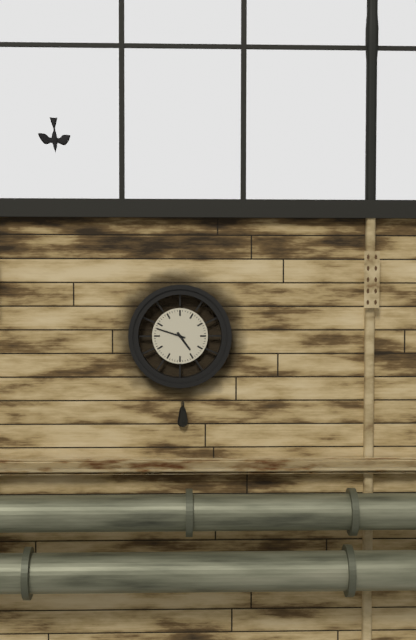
{"hour": 4, "minute": 48}
